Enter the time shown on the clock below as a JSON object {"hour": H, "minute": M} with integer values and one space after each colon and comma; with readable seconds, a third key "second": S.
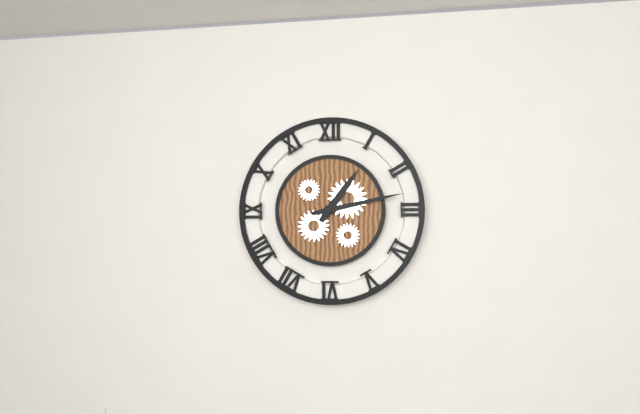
{"hour": 1, "minute": 13}
